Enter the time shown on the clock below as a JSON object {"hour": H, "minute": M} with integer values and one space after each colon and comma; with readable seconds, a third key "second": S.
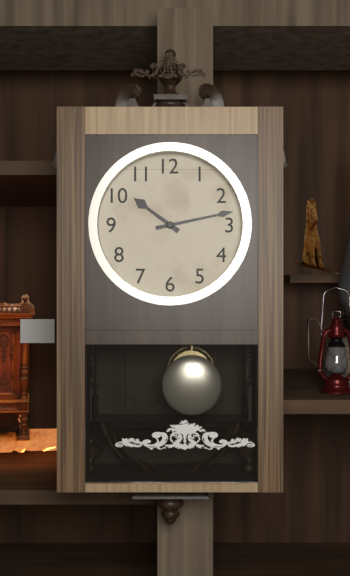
{"hour": 10, "minute": 13}
